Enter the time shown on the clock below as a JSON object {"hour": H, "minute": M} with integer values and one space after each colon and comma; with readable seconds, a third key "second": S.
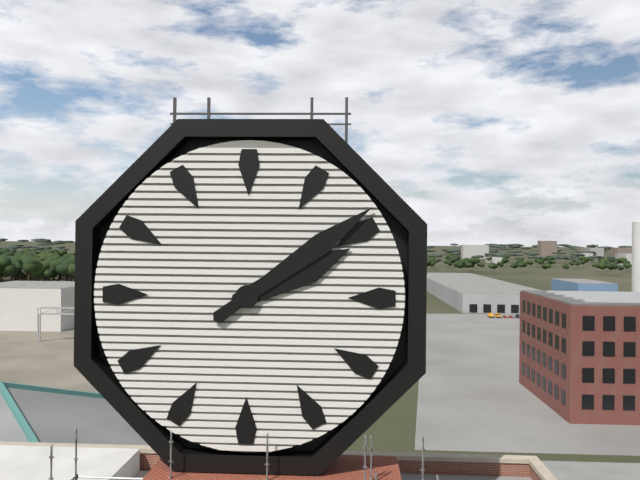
{"hour": 2, "minute": 9}
